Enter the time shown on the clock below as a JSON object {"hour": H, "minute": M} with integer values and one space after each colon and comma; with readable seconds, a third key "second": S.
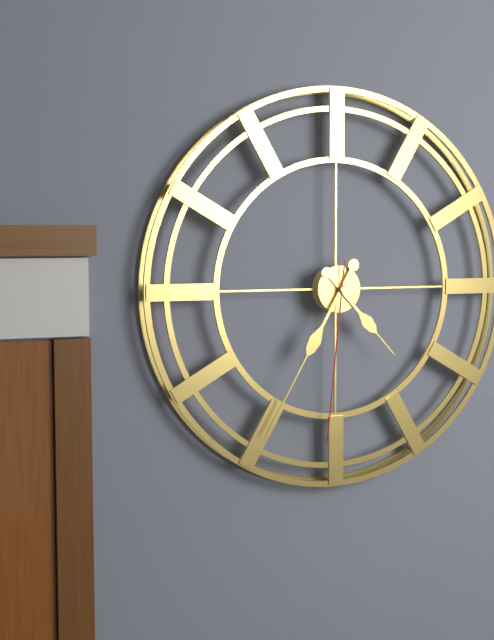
{"hour": 4, "minute": 35, "second": 31}
